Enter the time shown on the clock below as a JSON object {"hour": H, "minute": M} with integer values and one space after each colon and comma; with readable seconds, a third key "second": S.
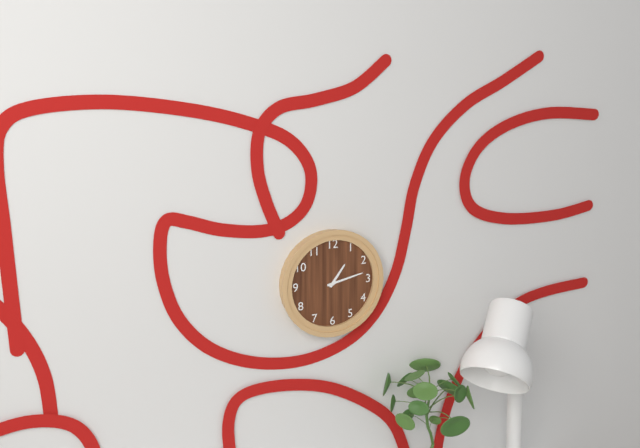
{"hour": 1, "minute": 13}
